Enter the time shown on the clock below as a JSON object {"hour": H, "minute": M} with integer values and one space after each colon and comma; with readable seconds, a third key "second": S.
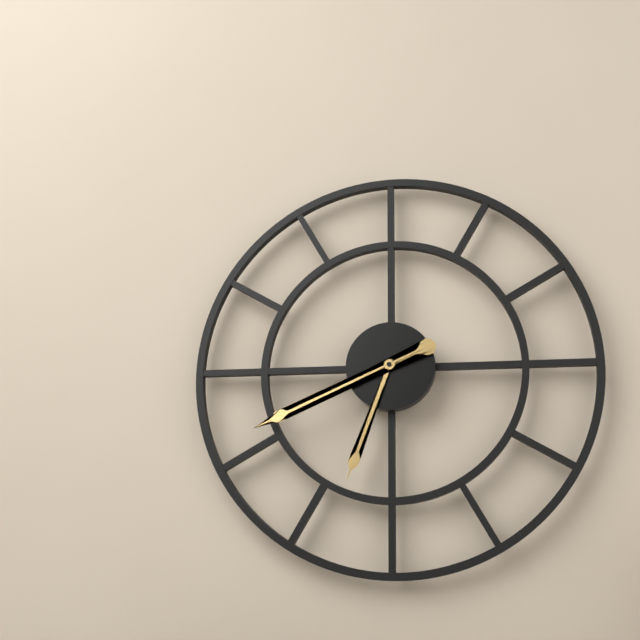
{"hour": 6, "minute": 41}
